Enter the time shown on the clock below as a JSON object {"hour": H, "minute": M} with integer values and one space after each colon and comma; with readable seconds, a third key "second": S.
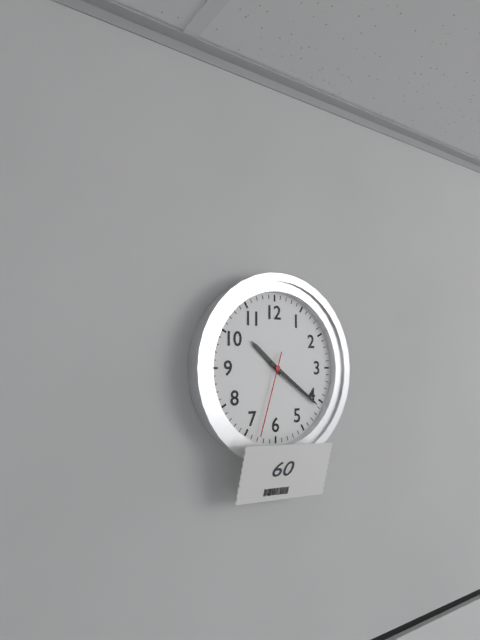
{"hour": 10, "minute": 21, "second": 33}
